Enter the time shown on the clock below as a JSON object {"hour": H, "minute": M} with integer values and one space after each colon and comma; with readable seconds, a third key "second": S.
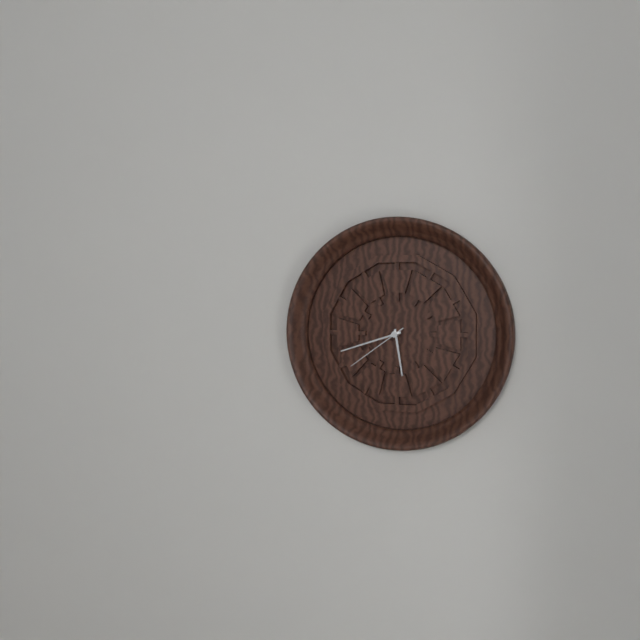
{"hour": 5, "minute": 42, "second": 39}
